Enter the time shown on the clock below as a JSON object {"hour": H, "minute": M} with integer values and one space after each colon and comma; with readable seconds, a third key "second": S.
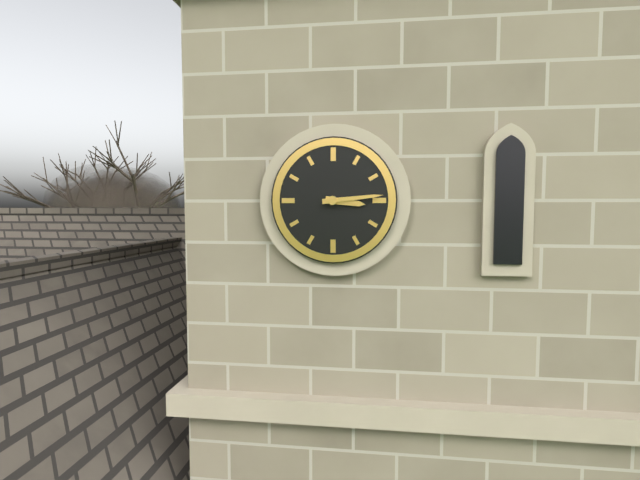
{"hour": 3, "minute": 14}
